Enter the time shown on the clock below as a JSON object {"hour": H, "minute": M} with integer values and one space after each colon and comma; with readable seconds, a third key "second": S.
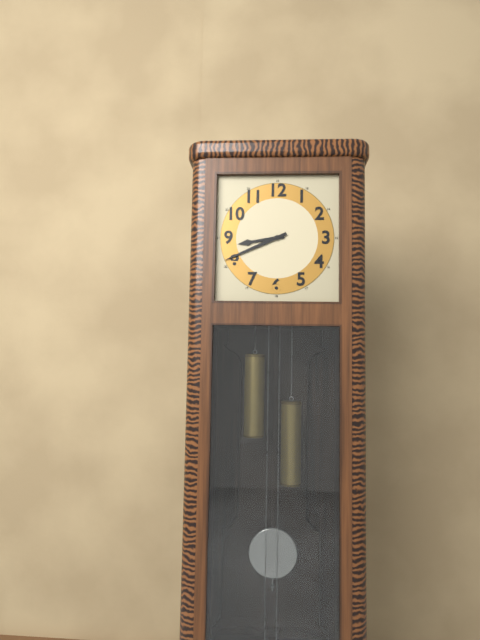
{"hour": 8, "minute": 41}
